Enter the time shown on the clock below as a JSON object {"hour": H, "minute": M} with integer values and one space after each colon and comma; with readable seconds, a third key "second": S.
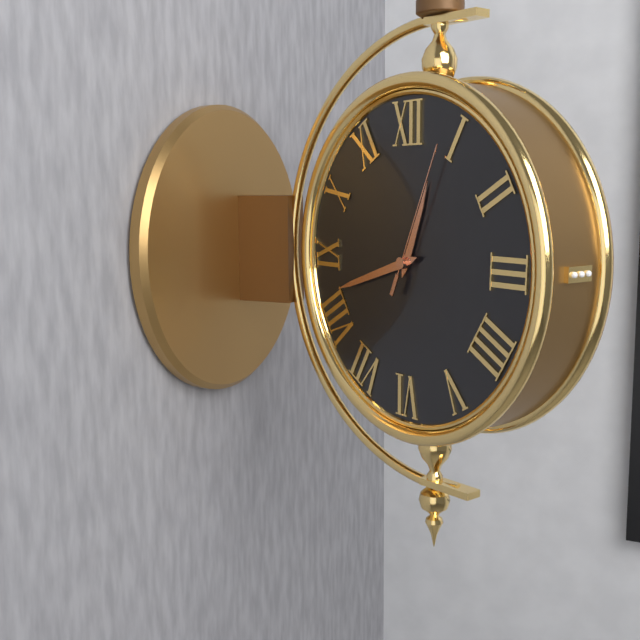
{"hour": 12, "minute": 42, "second": 4}
